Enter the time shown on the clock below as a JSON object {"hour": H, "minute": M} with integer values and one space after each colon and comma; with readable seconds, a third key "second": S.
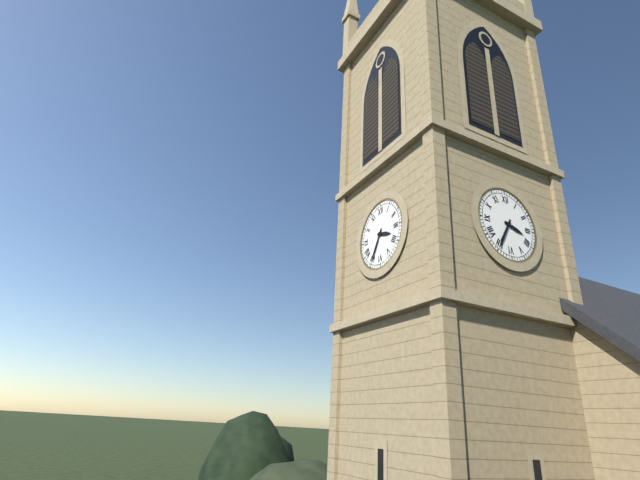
{"hour": 3, "minute": 35}
